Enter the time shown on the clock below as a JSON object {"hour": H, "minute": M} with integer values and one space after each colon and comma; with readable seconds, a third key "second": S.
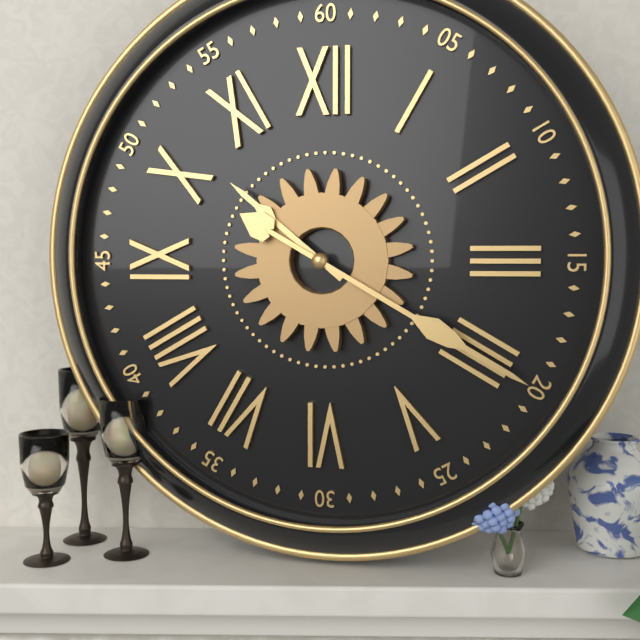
{"hour": 10, "minute": 20}
